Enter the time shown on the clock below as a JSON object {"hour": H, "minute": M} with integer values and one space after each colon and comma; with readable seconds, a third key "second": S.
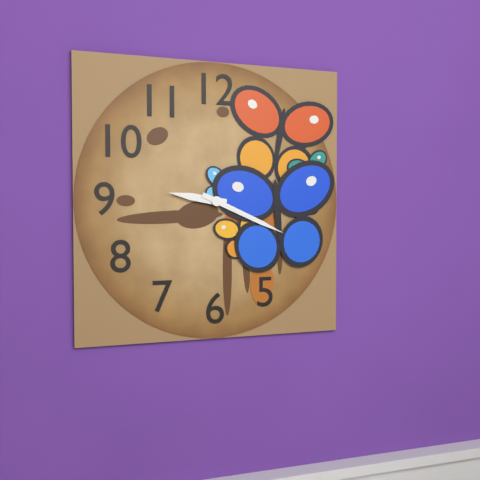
{"hour": 9, "minute": 19}
